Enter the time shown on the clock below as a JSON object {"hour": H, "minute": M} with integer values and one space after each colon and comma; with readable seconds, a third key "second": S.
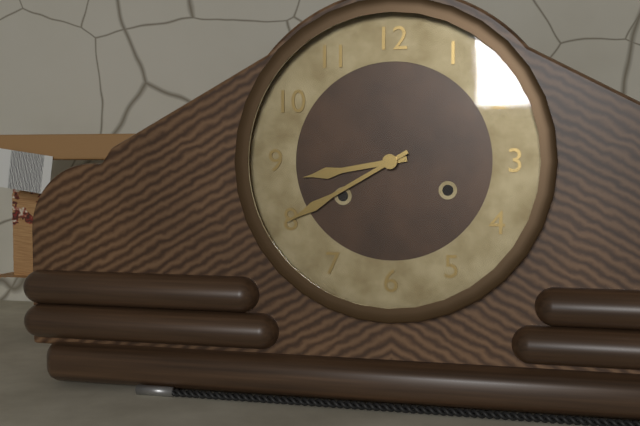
{"hour": 8, "minute": 40}
